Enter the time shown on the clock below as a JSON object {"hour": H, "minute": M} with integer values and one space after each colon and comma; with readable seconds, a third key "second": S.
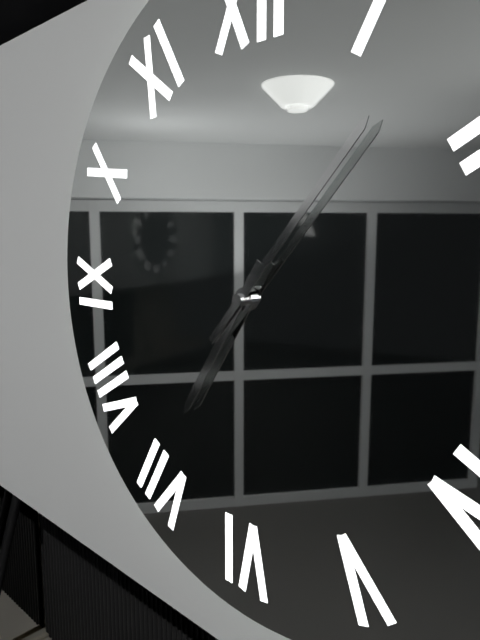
{"hour": 7, "minute": 7}
